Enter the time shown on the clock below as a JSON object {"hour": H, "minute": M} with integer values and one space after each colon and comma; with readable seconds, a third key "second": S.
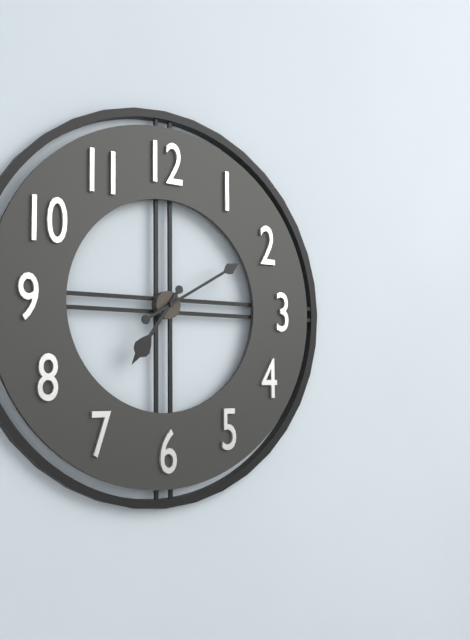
{"hour": 7, "minute": 10}
